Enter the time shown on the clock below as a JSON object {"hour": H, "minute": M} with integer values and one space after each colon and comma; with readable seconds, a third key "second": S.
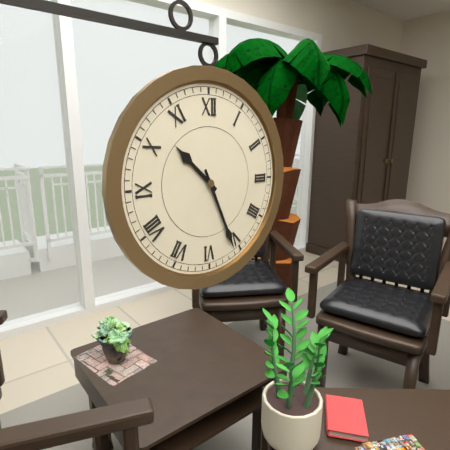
{"hour": 10, "minute": 26}
